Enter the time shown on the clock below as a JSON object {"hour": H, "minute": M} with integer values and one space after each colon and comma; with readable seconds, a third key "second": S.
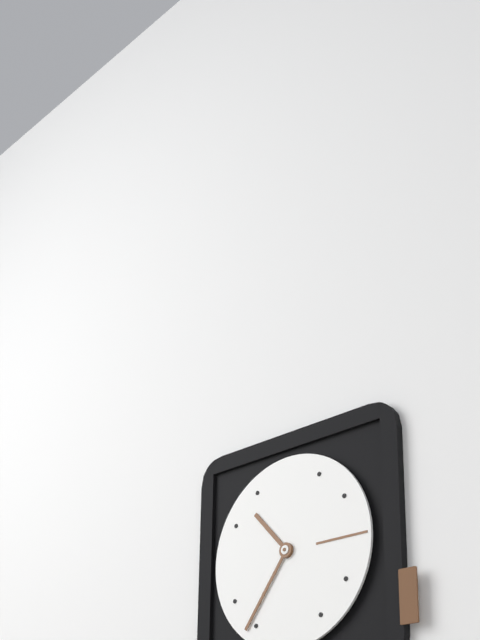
{"hour": 10, "minute": 36}
